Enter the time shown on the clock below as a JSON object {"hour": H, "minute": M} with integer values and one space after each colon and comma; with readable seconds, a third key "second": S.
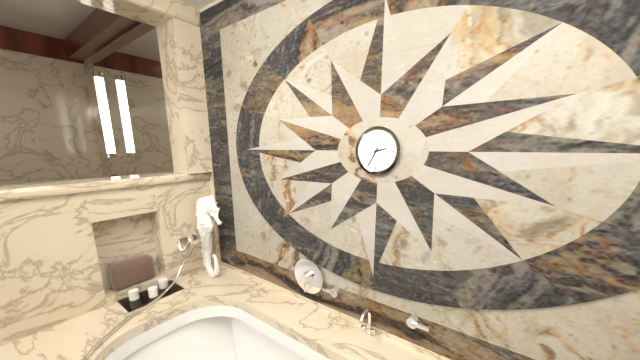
{"hour": 2, "minute": 35}
